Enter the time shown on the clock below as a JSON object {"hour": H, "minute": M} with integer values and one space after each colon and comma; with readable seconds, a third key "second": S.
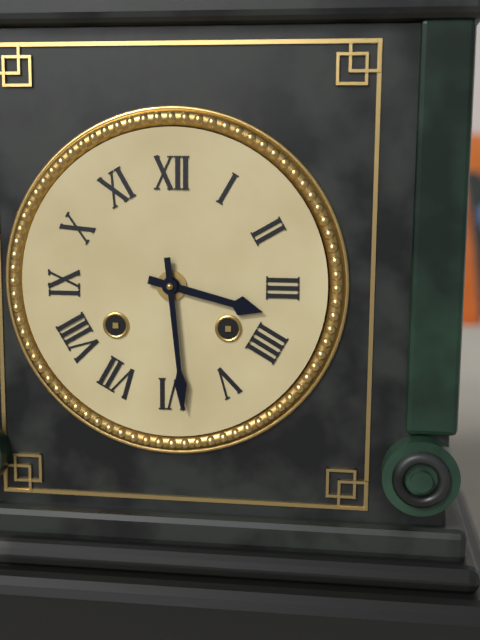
{"hour": 3, "minute": 29}
